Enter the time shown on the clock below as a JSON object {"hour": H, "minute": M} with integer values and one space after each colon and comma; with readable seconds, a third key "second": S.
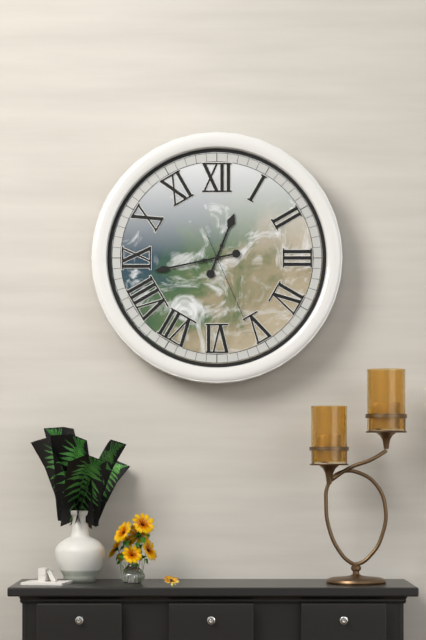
{"hour": 12, "minute": 43, "second": 26}
